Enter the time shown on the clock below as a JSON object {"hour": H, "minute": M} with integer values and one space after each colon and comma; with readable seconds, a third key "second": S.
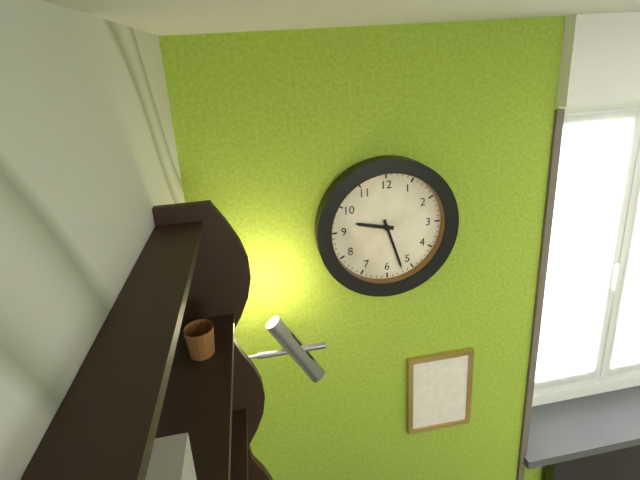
{"hour": 9, "minute": 27}
